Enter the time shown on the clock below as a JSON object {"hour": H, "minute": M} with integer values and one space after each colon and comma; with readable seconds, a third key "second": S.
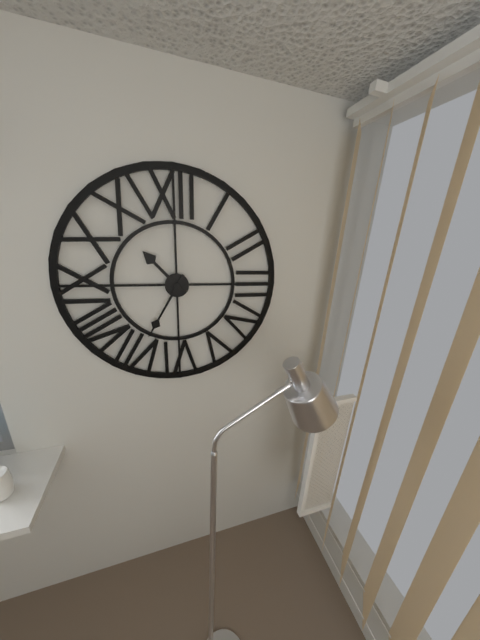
{"hour": 10, "minute": 35}
